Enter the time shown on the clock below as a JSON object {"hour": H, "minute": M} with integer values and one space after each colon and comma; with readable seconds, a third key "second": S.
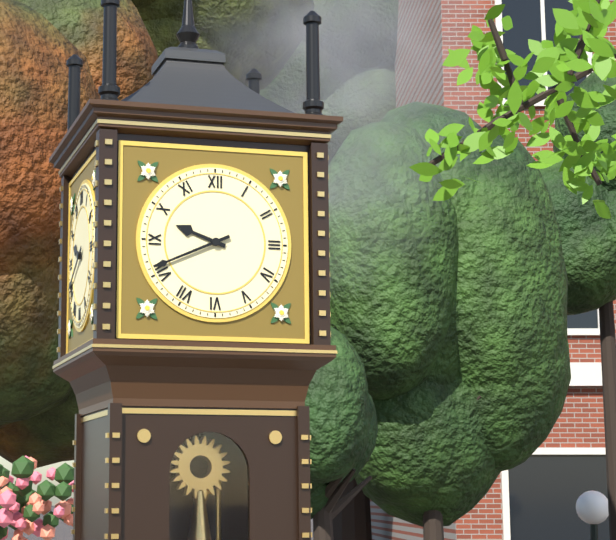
{"hour": 9, "minute": 41}
